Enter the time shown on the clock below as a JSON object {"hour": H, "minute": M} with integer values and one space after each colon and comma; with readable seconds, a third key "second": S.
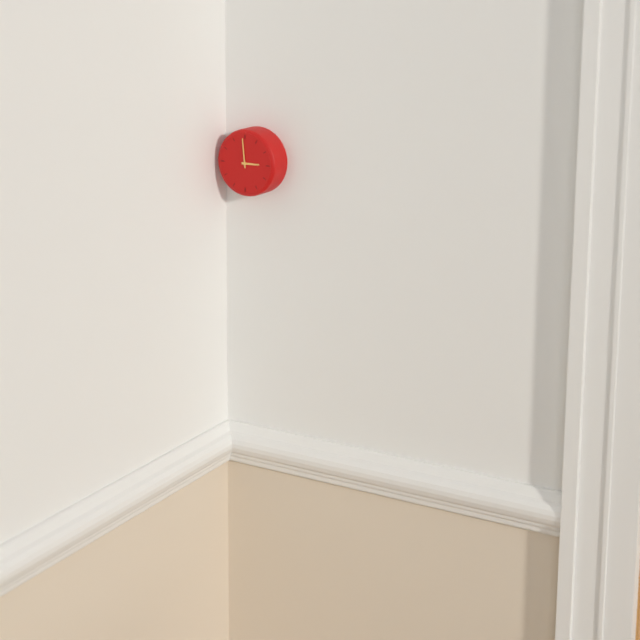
{"hour": 2, "minute": 59}
